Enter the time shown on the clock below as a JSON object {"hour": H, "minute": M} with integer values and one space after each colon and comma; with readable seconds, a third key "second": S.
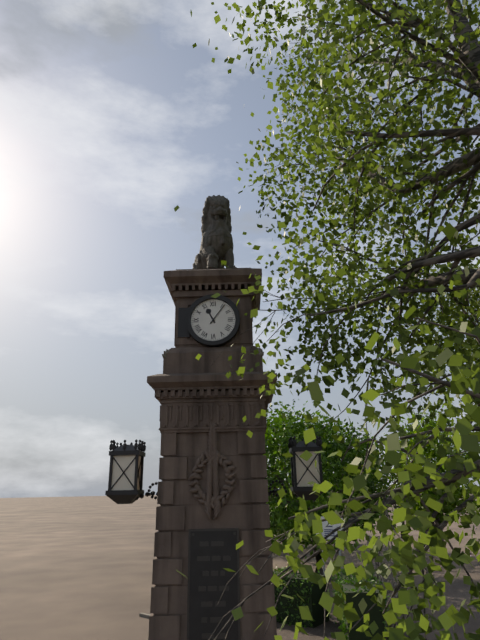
{"hour": 11, "minute": 6}
